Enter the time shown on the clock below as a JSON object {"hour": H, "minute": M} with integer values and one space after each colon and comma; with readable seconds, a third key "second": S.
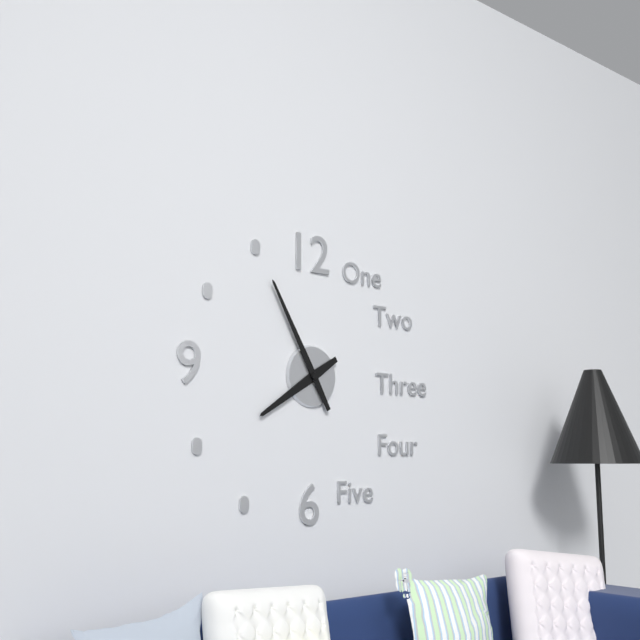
{"hour": 7, "minute": 55}
